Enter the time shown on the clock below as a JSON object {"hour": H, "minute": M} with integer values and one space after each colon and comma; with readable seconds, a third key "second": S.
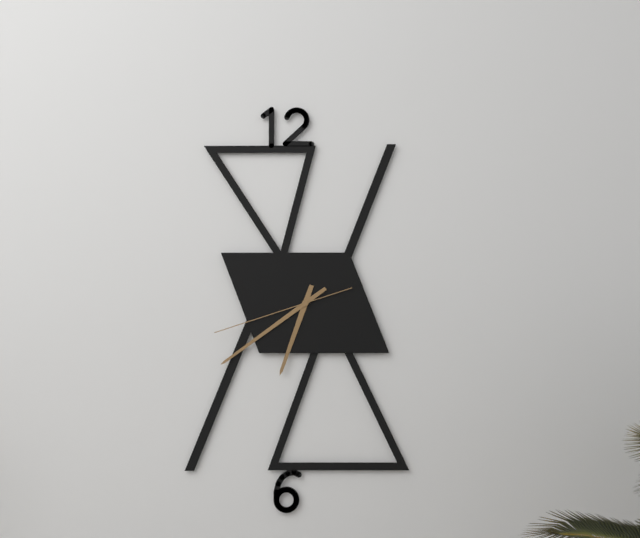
{"hour": 6, "minute": 39, "second": 42}
